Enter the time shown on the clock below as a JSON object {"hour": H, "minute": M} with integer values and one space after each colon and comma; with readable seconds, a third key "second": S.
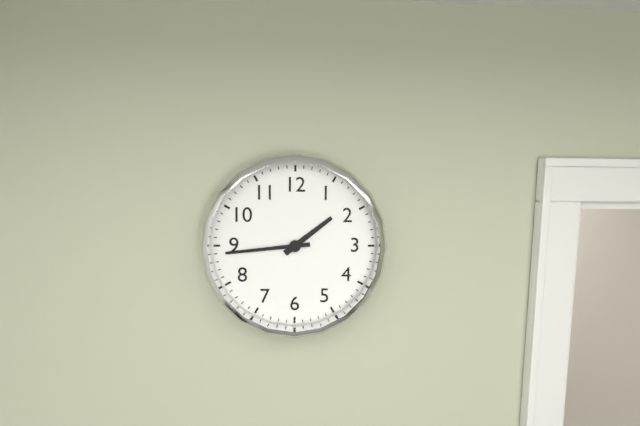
{"hour": 1, "minute": 44}
